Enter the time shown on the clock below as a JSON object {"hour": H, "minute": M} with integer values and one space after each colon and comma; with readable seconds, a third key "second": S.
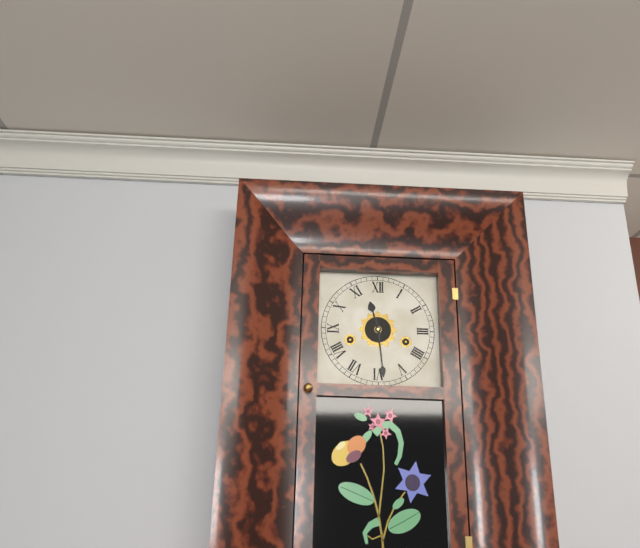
{"hour": 11, "minute": 29}
